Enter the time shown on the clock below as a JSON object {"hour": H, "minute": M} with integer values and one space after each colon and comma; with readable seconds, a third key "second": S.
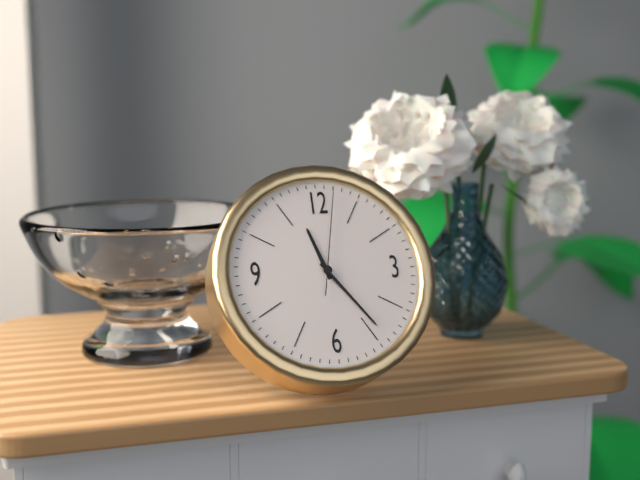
{"hour": 11, "minute": 24, "second": 2}
